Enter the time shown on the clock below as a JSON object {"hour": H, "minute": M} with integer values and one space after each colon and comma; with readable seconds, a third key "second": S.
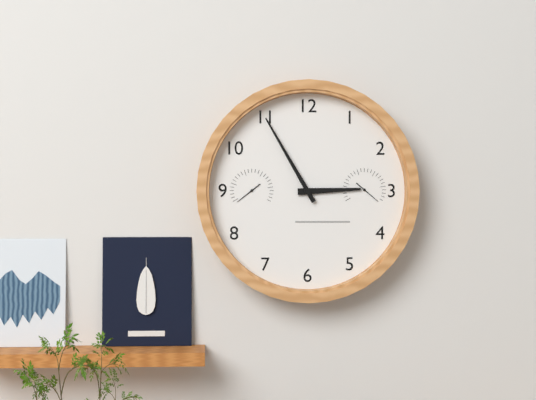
{"hour": 2, "minute": 55}
